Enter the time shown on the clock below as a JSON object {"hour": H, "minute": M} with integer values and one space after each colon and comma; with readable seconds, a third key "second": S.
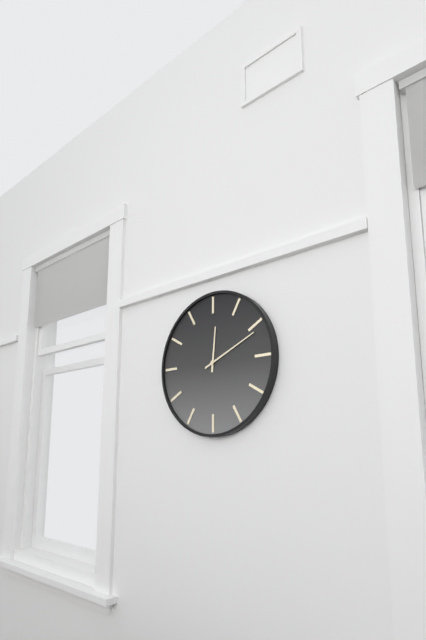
{"hour": 12, "minute": 11}
